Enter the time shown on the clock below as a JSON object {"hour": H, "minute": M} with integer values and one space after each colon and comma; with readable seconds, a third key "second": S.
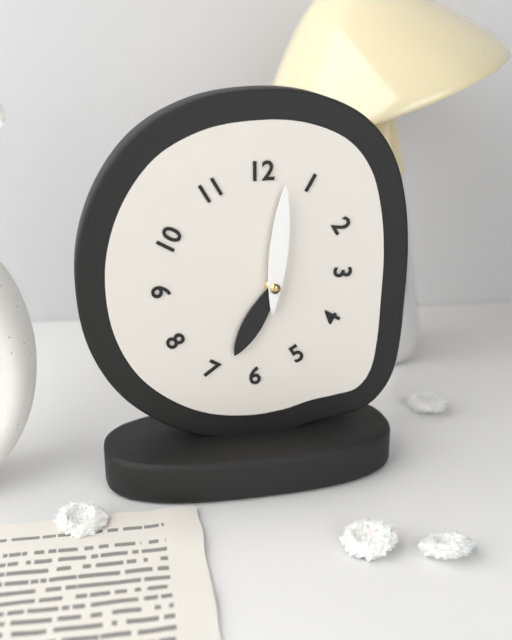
{"hour": 7, "minute": 1}
